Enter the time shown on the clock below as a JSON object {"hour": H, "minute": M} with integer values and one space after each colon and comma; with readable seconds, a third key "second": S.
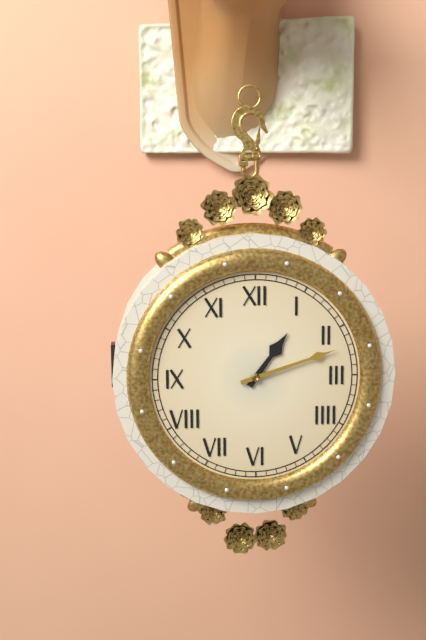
{"hour": 1, "minute": 12}
